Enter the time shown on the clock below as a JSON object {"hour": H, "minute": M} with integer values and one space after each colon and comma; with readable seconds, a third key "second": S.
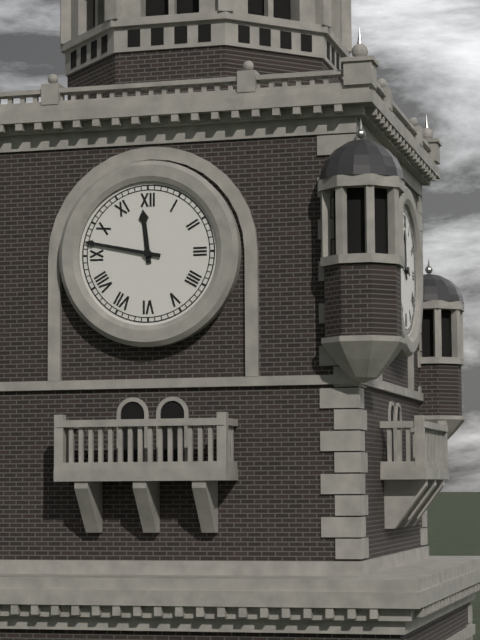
{"hour": 11, "minute": 47}
